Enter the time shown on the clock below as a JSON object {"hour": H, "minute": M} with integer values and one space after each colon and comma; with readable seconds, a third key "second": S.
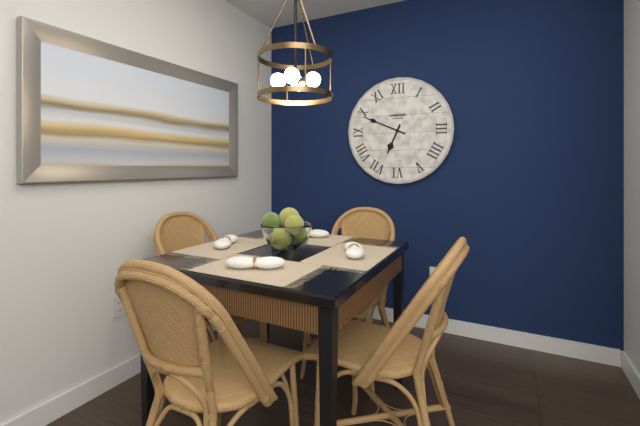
{"hour": 6, "minute": 49}
